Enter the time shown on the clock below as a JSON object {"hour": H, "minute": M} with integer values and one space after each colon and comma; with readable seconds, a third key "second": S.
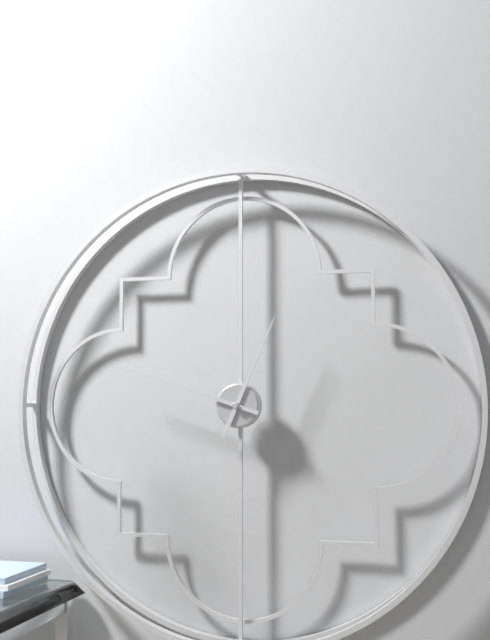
{"hour": 12, "minute": 48}
